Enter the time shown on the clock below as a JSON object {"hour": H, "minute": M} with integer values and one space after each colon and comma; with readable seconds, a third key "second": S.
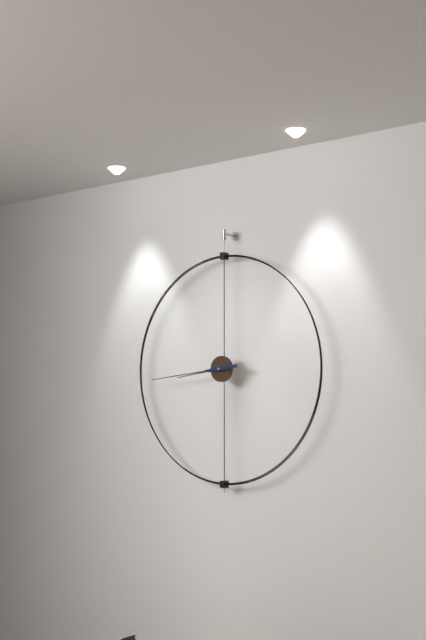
{"hour": 8, "minute": 44}
